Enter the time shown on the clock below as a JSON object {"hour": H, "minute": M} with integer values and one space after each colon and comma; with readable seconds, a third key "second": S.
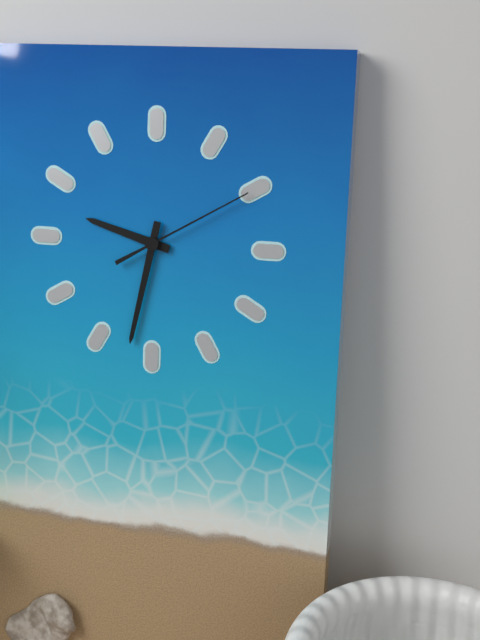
{"hour": 9, "minute": 32, "second": 10}
